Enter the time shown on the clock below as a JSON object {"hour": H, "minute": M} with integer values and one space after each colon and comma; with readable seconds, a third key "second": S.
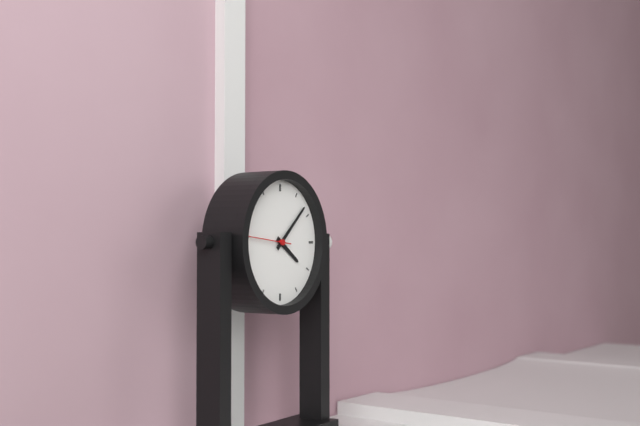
{"hour": 4, "minute": 8}
